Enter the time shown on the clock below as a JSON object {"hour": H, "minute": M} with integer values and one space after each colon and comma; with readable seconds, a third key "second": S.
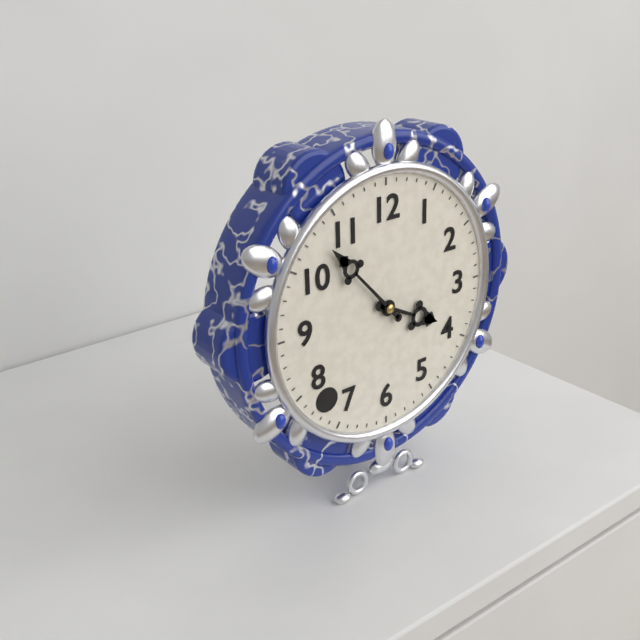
{"hour": 3, "minute": 53}
